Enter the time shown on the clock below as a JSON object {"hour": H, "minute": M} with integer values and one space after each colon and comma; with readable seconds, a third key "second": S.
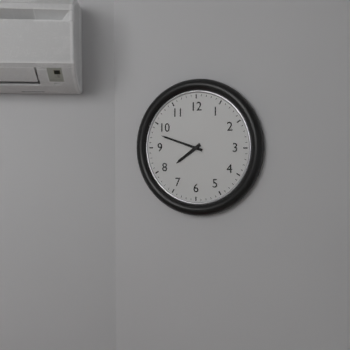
{"hour": 7, "minute": 48}
